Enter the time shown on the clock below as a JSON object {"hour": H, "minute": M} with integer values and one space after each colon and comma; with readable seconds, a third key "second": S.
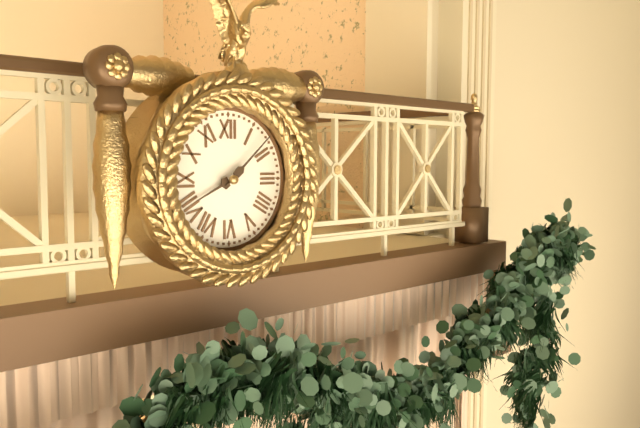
{"hour": 8, "minute": 8}
